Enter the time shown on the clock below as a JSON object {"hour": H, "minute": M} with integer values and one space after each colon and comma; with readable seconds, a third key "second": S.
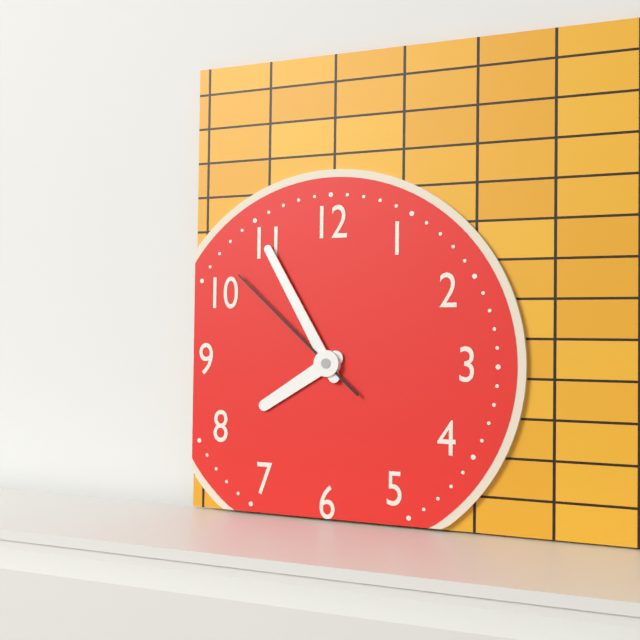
{"hour": 7, "minute": 55, "second": 52}
